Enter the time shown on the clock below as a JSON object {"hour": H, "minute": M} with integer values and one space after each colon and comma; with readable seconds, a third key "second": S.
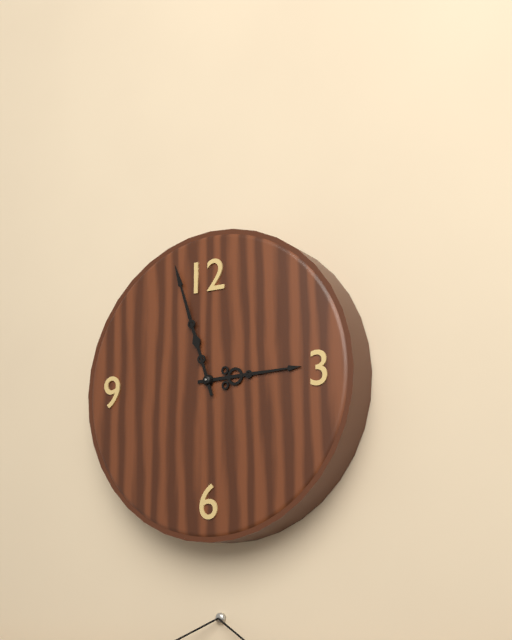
{"hour": 2, "minute": 57}
